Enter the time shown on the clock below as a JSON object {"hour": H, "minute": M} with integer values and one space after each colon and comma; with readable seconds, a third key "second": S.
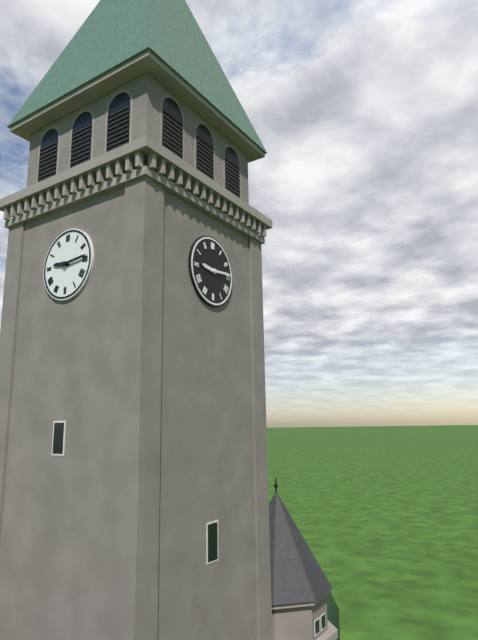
{"hour": 9, "minute": 14}
